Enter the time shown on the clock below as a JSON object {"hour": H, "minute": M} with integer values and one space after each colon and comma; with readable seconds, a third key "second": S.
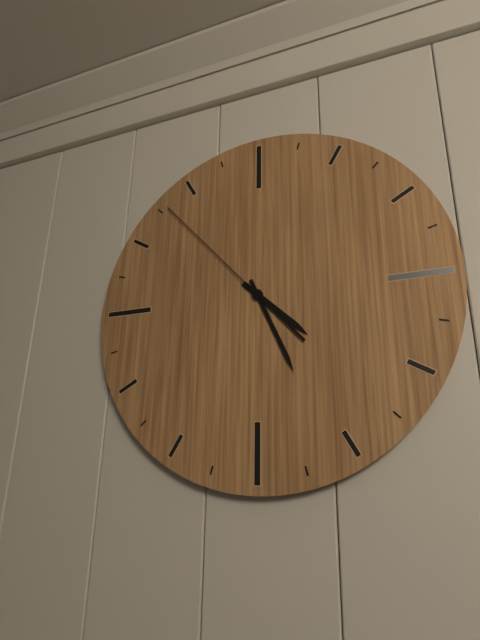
{"hour": 4, "minute": 26, "second": 53}
